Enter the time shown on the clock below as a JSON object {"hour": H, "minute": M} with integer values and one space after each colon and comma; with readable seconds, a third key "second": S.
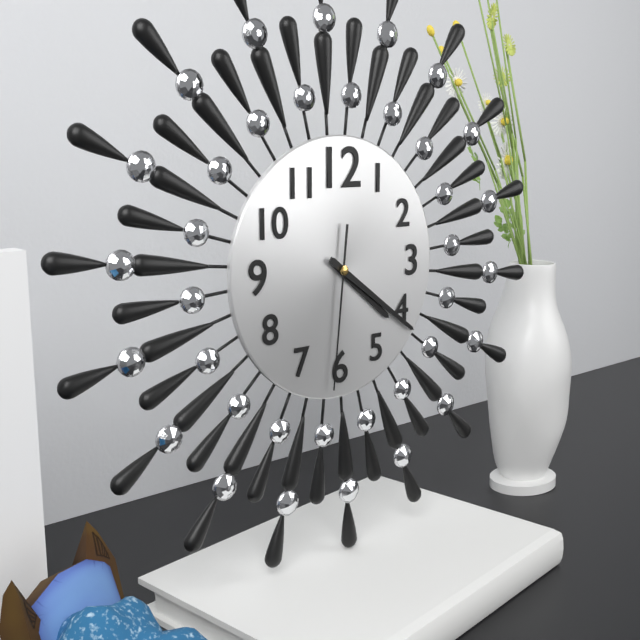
{"hour": 4, "minute": 21, "second": 31}
